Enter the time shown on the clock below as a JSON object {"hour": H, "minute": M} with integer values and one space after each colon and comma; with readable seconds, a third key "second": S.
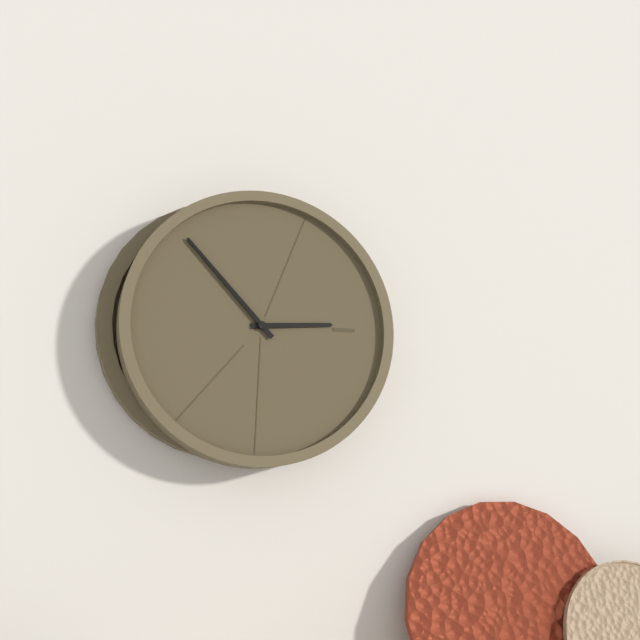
{"hour": 2, "minute": 53}
